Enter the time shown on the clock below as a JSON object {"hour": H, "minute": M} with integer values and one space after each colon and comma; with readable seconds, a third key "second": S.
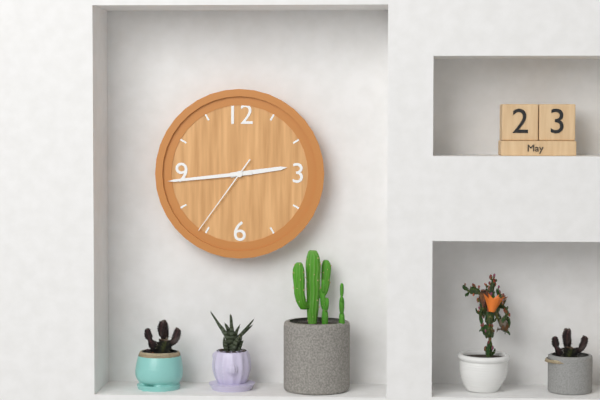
{"hour": 2, "minute": 44, "second": 36}
